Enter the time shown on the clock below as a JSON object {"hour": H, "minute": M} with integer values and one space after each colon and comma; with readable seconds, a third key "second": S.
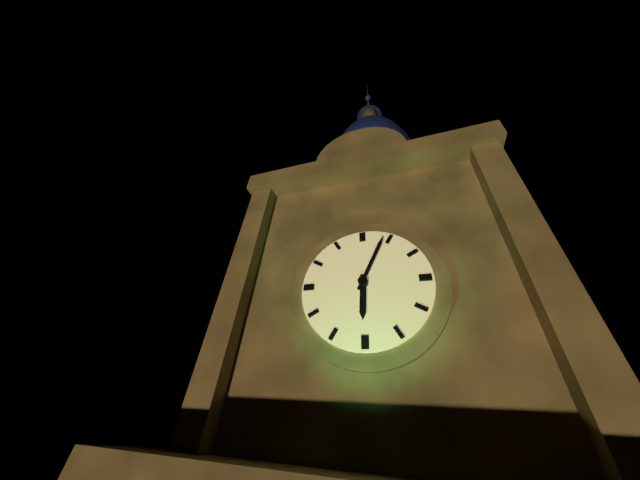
{"hour": 6, "minute": 4}
